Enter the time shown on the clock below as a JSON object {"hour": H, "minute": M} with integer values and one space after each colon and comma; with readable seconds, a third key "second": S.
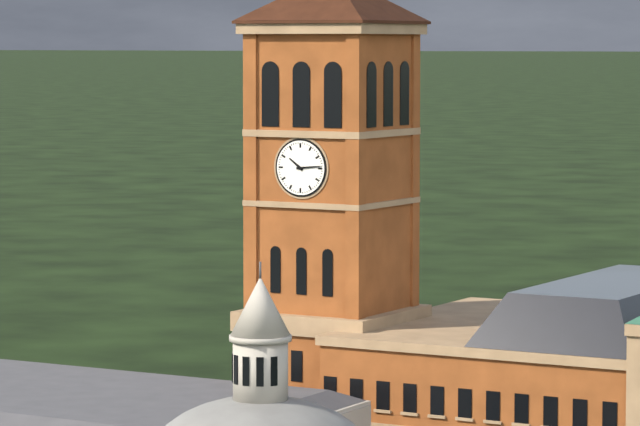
{"hour": 10, "minute": 14}
